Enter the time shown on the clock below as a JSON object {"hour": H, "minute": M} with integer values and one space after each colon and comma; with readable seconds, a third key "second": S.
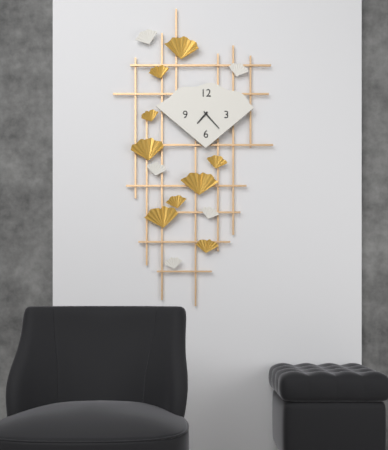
{"hour": 7, "minute": 23}
